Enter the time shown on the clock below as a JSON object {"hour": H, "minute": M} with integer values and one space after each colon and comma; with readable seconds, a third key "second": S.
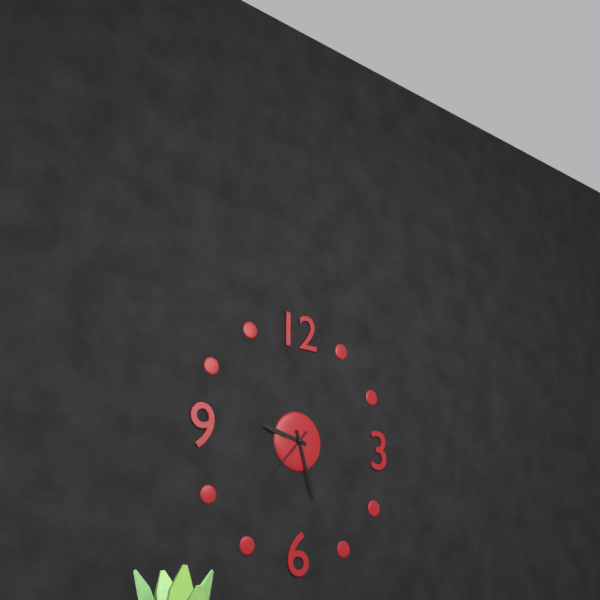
{"hour": 9, "minute": 27, "second": 37}
